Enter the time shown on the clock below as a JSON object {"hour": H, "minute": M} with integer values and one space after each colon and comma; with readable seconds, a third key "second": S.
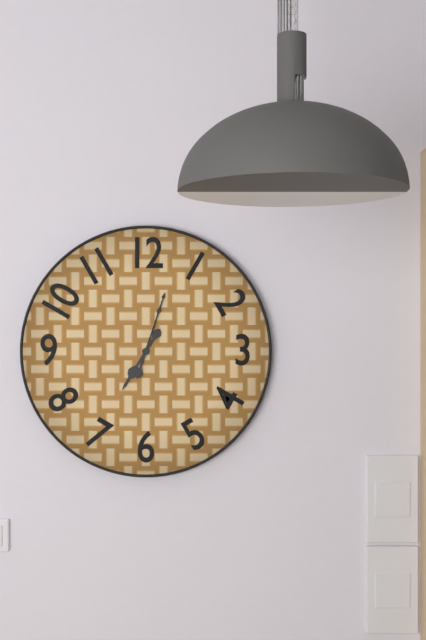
{"hour": 7, "minute": 3}
